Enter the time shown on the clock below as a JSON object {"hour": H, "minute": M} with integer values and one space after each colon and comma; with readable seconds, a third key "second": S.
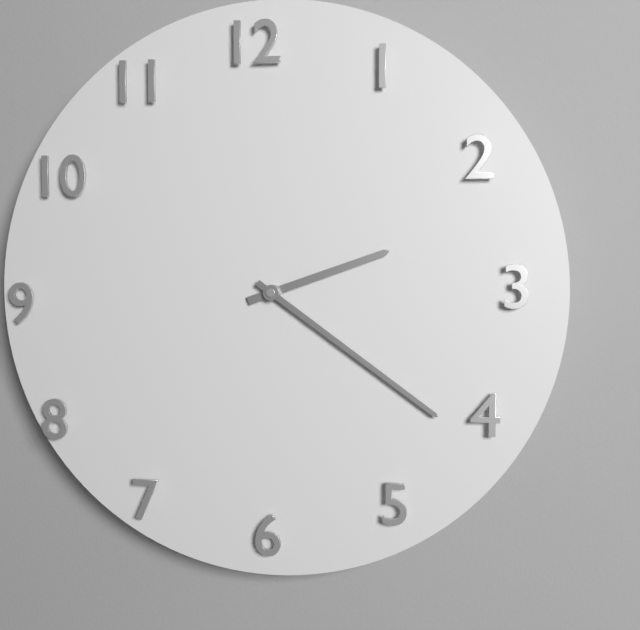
{"hour": 2, "minute": 21}
